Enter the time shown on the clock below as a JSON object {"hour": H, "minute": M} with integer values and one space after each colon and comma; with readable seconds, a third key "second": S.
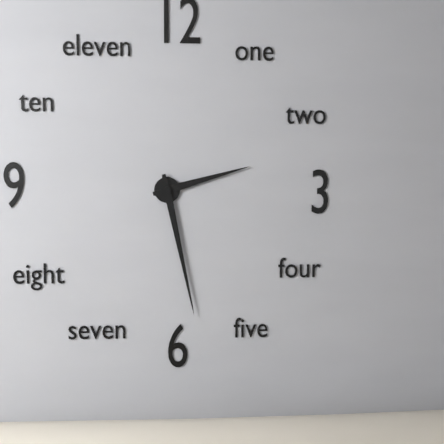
{"hour": 2, "minute": 28}
